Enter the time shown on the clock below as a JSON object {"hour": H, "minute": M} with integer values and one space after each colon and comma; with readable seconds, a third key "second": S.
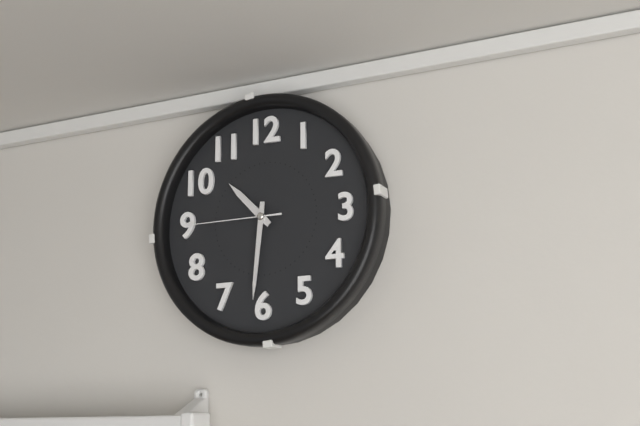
{"hour": 10, "minute": 31, "second": 45}
